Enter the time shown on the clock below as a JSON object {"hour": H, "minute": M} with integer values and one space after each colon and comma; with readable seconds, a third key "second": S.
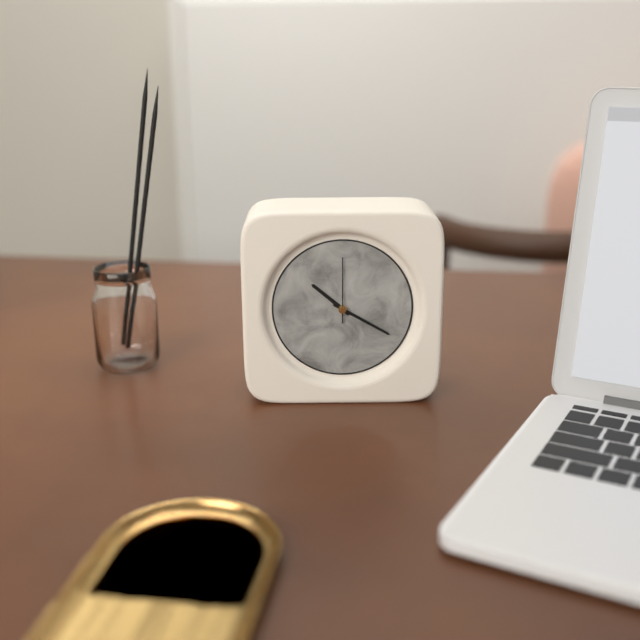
{"hour": 10, "minute": 20, "second": 0}
